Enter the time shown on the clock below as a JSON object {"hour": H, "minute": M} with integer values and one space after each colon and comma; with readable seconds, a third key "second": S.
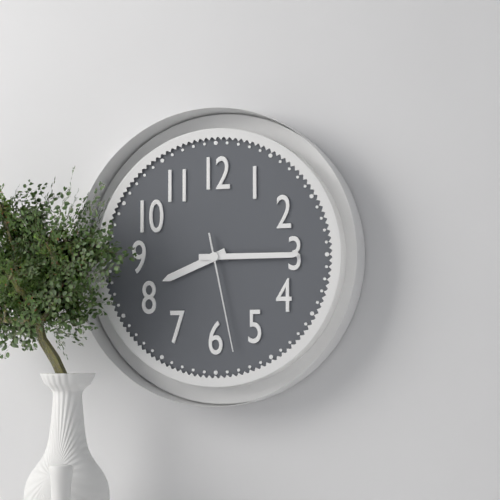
{"hour": 8, "minute": 15, "second": 28}
